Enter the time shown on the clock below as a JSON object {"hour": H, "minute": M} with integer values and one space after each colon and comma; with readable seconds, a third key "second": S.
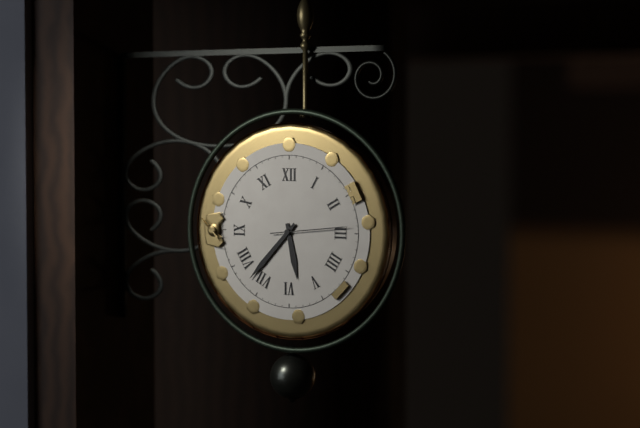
{"hour": 5, "minute": 37, "second": 14}
